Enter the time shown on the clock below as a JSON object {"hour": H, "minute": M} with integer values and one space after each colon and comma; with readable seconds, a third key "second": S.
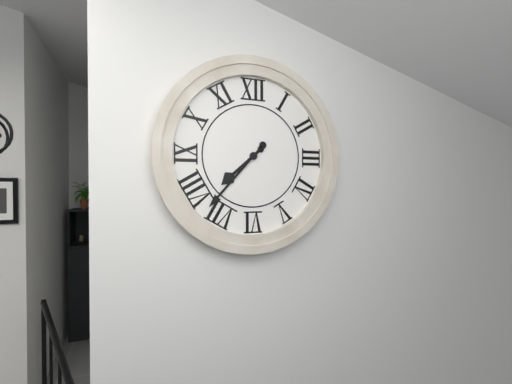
{"hour": 7, "minute": 37}
